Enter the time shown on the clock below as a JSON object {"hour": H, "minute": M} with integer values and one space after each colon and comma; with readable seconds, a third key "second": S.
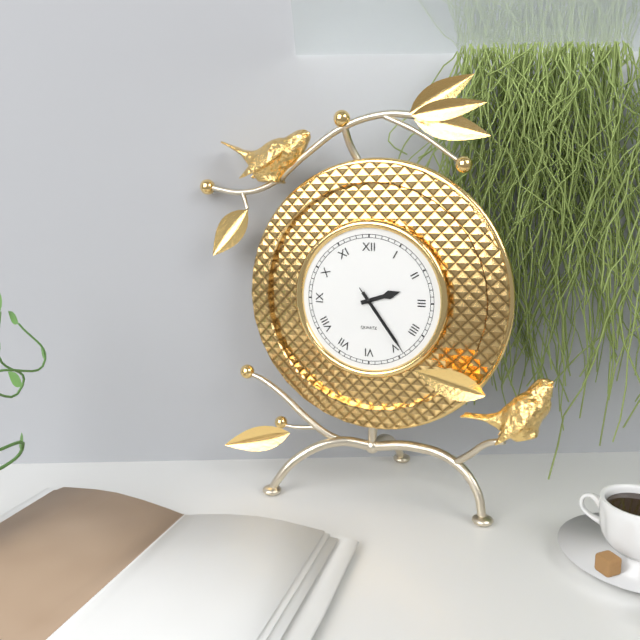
{"hour": 2, "minute": 24, "second": 24}
